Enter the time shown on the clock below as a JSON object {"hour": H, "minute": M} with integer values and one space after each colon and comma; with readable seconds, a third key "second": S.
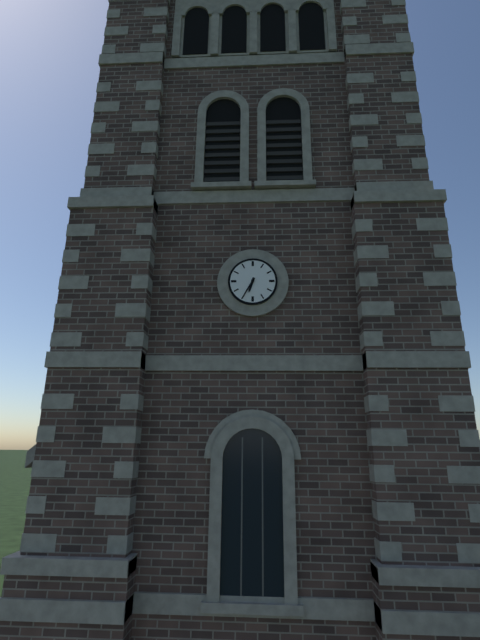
{"hour": 6, "minute": 35}
